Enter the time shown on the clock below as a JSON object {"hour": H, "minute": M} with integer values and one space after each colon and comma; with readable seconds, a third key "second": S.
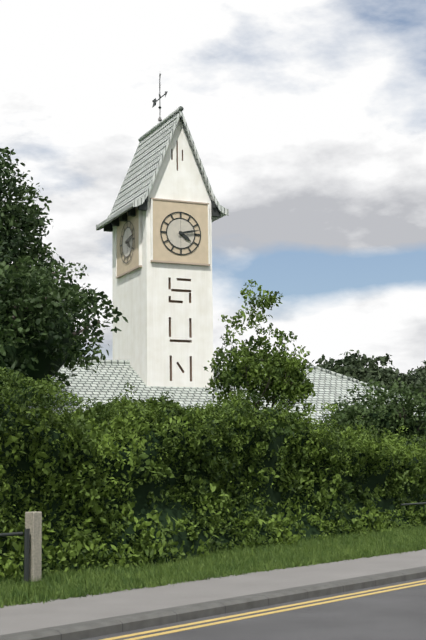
{"hour": 4, "minute": 13}
